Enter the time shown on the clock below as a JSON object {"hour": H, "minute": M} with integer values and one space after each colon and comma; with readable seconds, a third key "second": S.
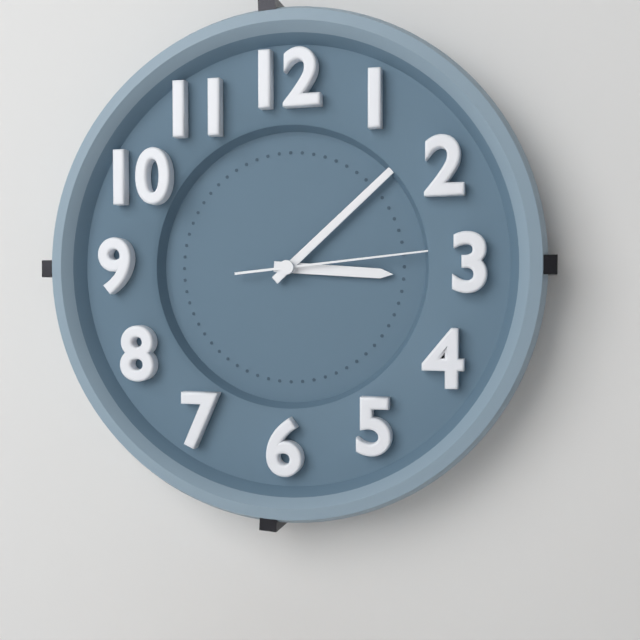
{"hour": 3, "minute": 8, "second": 14}
